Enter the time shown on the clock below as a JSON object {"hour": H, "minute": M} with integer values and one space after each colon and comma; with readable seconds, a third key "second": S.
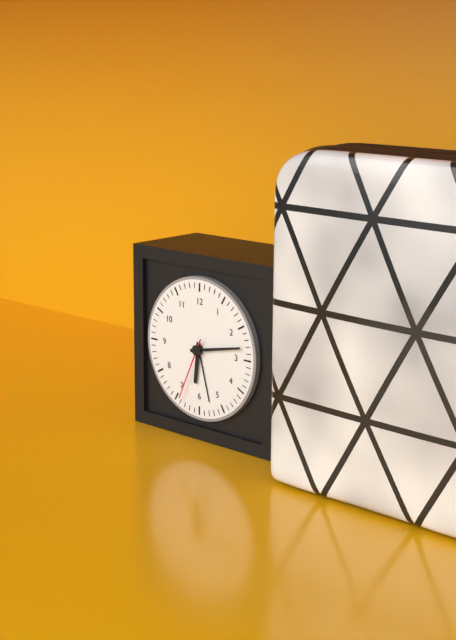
{"hour": 6, "minute": 13, "second": 34}
